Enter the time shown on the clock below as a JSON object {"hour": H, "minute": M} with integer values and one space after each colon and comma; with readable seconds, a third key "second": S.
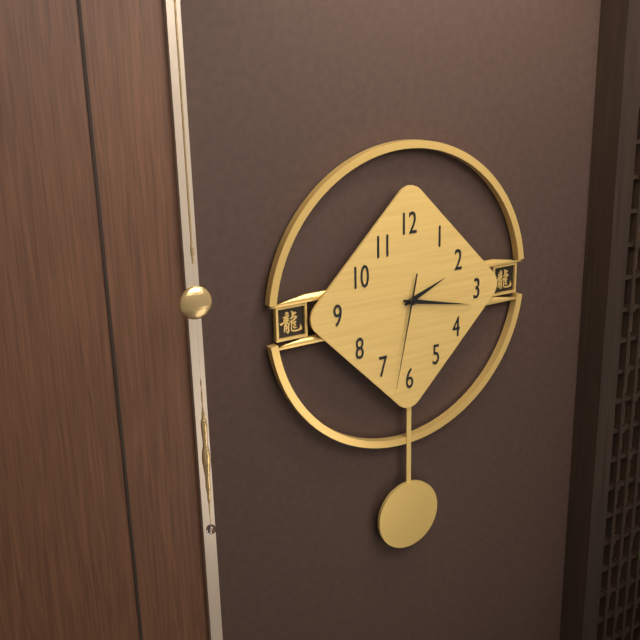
{"hour": 2, "minute": 17, "second": 32}
